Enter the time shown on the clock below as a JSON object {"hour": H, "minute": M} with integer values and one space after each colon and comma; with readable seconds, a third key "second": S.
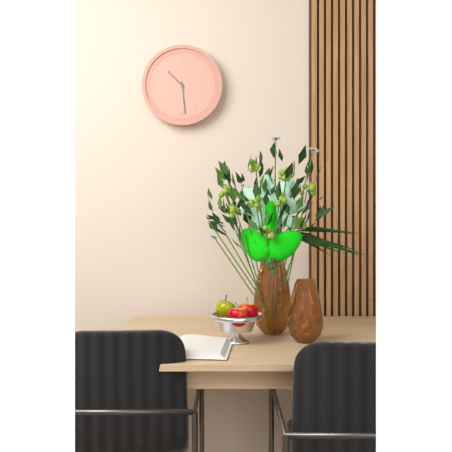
{"hour": 10, "minute": 29}
